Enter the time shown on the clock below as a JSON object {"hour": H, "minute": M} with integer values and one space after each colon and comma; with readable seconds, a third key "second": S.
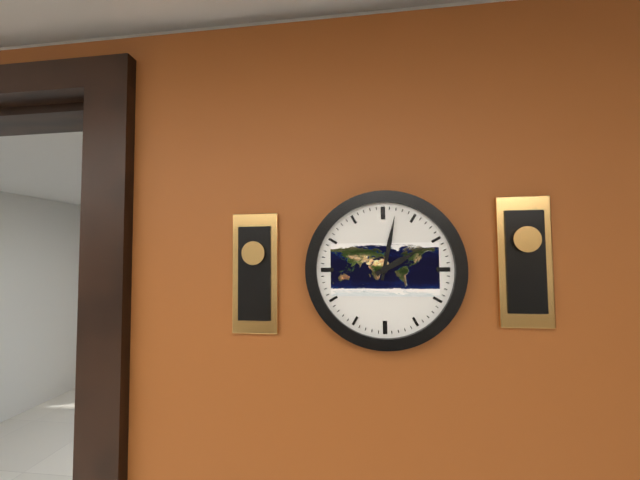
{"hour": 2, "minute": 2}
